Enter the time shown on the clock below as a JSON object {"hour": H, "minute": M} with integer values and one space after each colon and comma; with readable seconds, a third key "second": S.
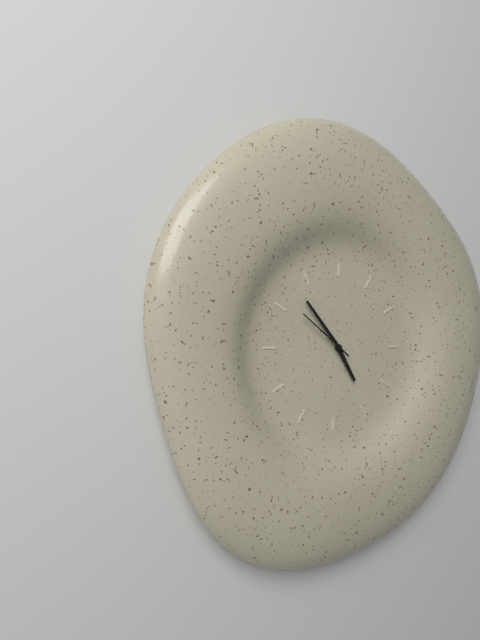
{"hour": 4, "minute": 53, "second": 51}
